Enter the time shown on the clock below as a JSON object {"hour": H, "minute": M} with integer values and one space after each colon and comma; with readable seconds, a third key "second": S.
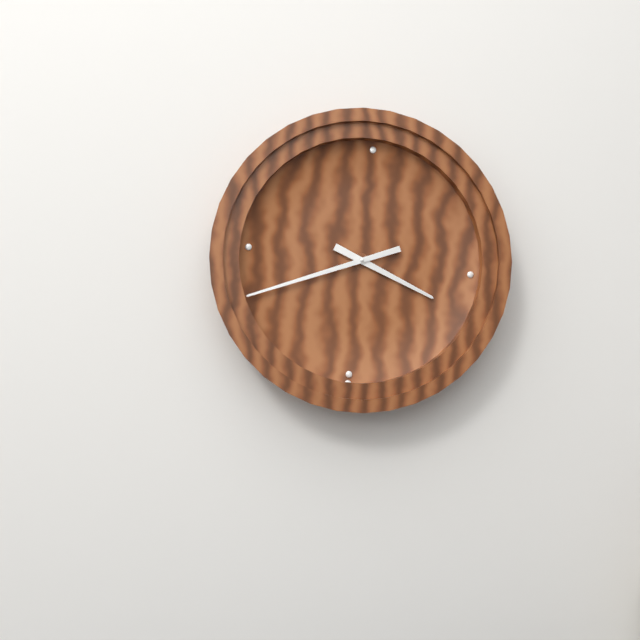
{"hour": 3, "minute": 41}
